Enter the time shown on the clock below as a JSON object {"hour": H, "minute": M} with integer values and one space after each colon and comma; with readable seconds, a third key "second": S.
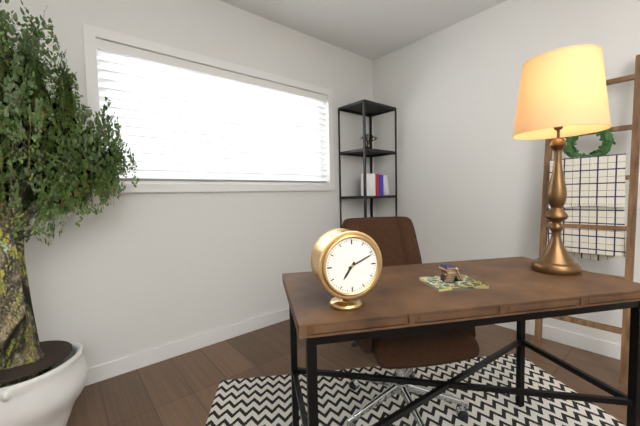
{"hour": 7, "minute": 11}
